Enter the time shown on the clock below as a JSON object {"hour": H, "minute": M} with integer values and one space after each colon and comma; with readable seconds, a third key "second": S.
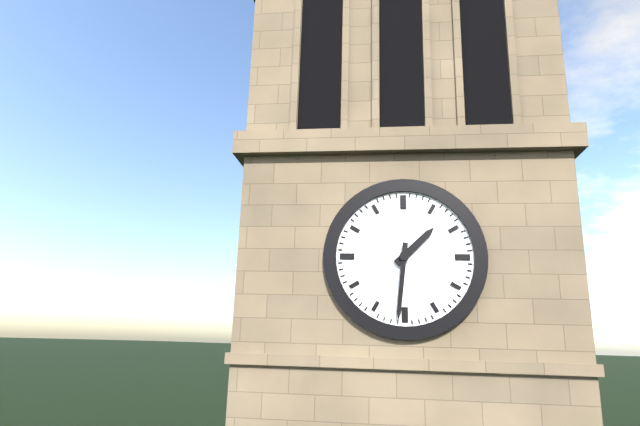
{"hour": 1, "minute": 31}
